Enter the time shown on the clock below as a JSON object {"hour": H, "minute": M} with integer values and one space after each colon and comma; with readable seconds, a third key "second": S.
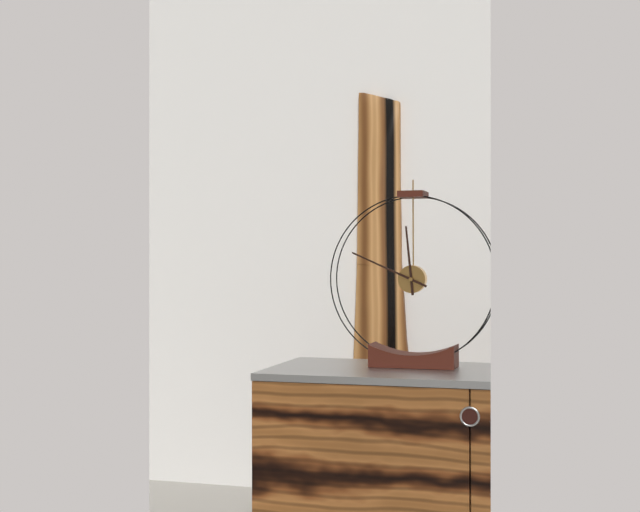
{"hour": 11, "minute": 49}
